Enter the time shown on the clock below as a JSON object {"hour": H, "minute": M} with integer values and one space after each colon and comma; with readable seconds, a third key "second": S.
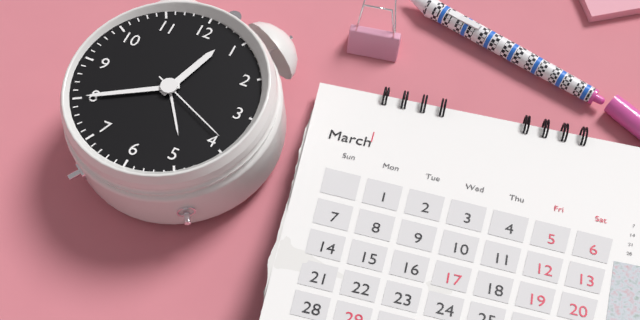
{"hour": 12, "minute": 40, "second": 19}
